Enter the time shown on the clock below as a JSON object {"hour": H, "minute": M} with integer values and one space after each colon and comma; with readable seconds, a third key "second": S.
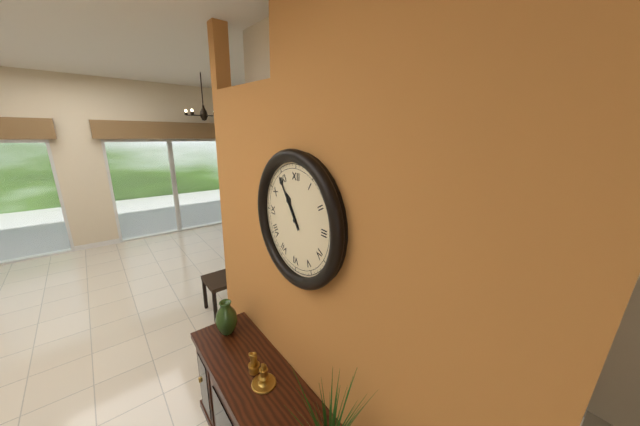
{"hour": 10, "minute": 54}
